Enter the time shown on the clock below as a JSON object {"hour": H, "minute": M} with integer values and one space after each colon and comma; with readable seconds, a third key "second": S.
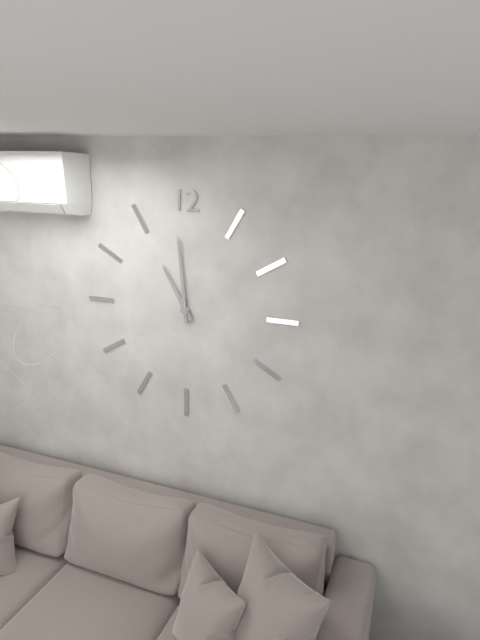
{"hour": 10, "minute": 59}
